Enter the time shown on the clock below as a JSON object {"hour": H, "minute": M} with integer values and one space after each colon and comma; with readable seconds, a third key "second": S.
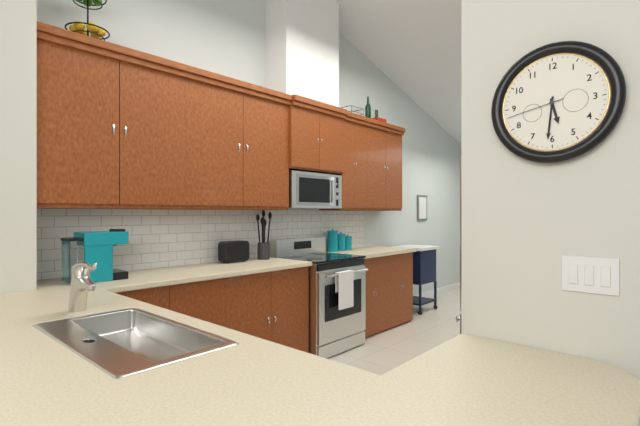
{"hour": 5, "minute": 31, "second": 43}
